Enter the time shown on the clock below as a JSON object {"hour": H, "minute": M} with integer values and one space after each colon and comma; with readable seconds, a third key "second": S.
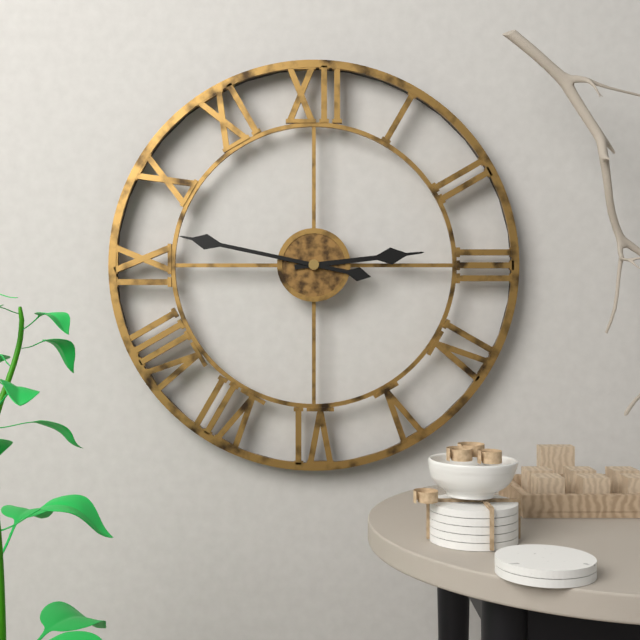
{"hour": 2, "minute": 47}
